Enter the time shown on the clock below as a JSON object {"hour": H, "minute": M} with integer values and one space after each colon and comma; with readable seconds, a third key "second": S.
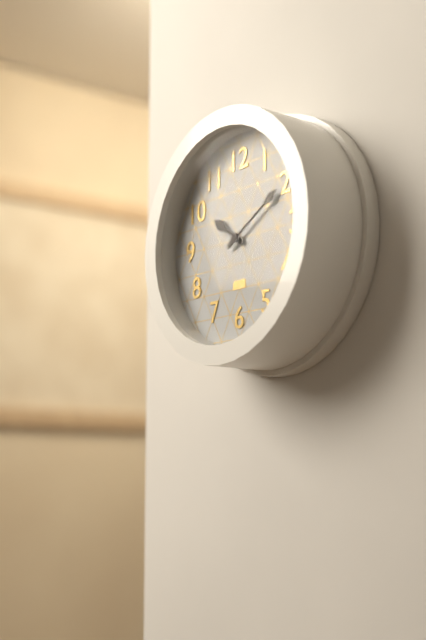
{"hour": 10, "minute": 10}
